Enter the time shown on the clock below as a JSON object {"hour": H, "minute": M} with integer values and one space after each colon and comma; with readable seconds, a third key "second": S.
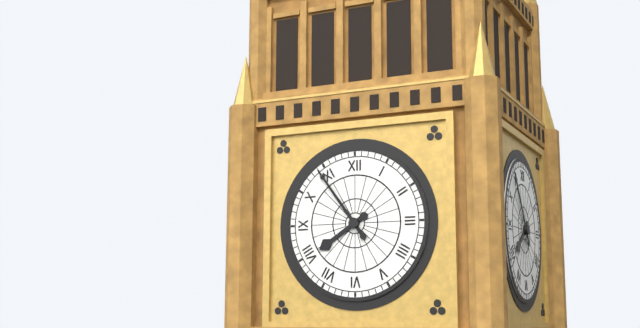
{"hour": 7, "minute": 54}
